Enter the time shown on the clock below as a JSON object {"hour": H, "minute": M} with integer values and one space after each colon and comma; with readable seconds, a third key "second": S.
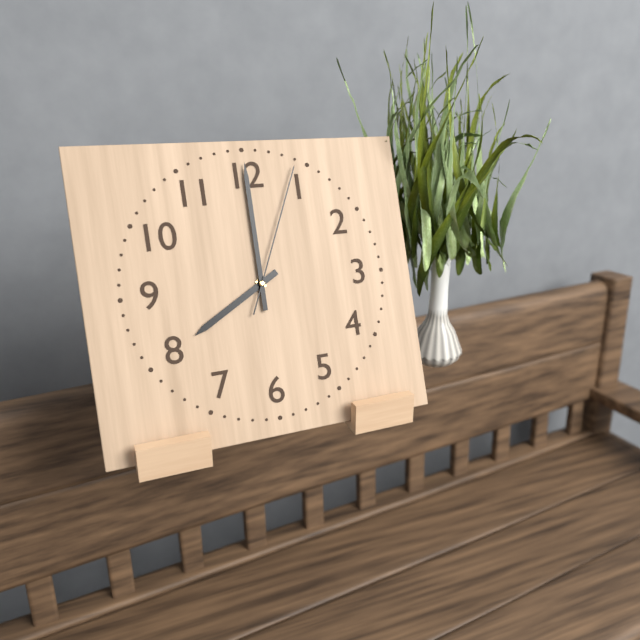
{"hour": 8, "minute": 0, "second": 4}
